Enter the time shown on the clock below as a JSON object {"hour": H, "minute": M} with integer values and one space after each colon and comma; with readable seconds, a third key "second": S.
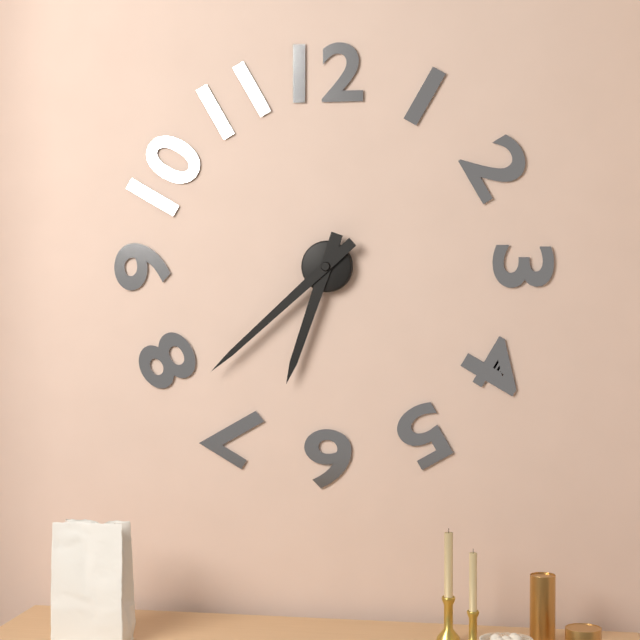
{"hour": 6, "minute": 38}
